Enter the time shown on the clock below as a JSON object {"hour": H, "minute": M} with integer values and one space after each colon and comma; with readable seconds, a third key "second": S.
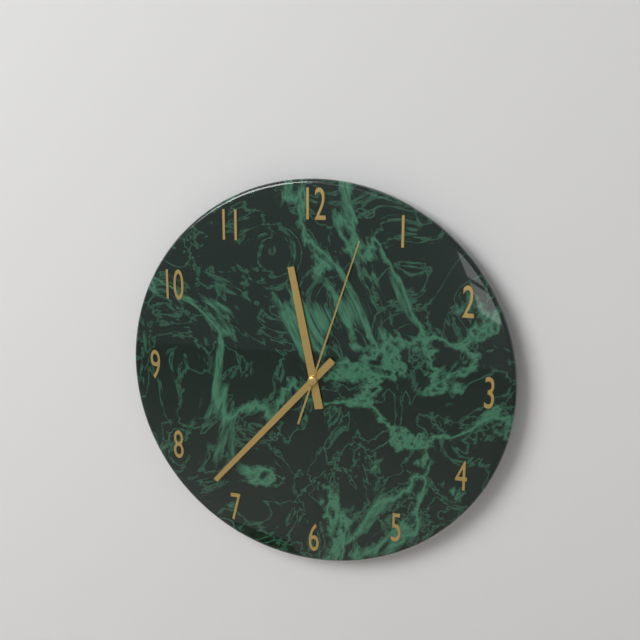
{"hour": 11, "minute": 37, "second": 3}
